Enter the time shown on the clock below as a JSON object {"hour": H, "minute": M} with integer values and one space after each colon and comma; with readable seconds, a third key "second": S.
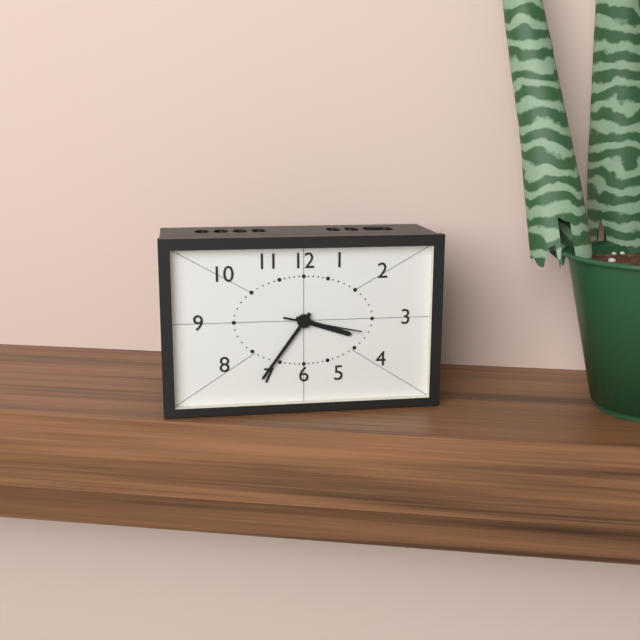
{"hour": 3, "minute": 36, "second": 17}
